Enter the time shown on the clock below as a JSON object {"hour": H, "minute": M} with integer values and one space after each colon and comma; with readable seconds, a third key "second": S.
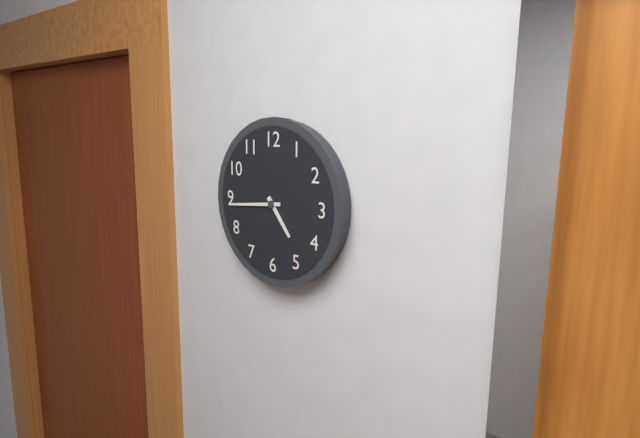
{"hour": 4, "minute": 44}
